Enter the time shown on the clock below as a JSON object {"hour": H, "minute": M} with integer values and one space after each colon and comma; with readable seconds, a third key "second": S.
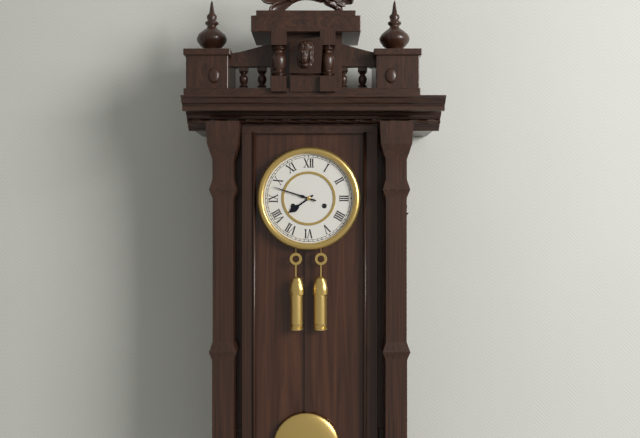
{"hour": 7, "minute": 48}
